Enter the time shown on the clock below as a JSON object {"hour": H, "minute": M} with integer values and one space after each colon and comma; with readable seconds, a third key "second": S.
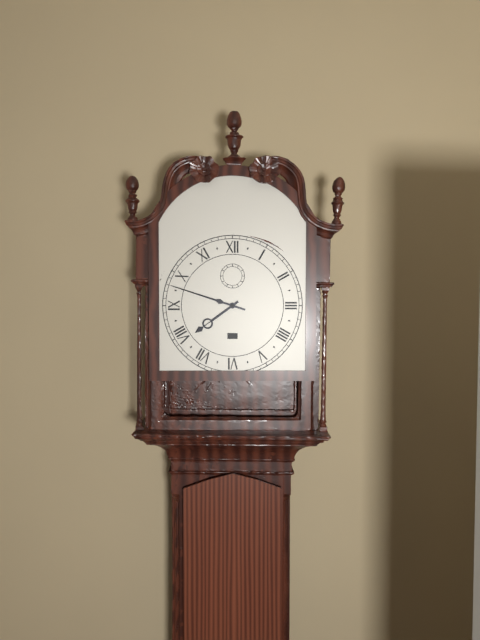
{"hour": 7, "minute": 48}
